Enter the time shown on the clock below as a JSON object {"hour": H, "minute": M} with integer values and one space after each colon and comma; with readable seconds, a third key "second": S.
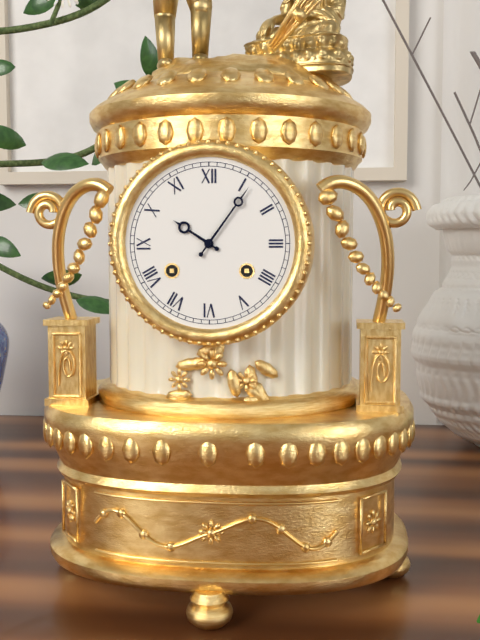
{"hour": 10, "minute": 6}
